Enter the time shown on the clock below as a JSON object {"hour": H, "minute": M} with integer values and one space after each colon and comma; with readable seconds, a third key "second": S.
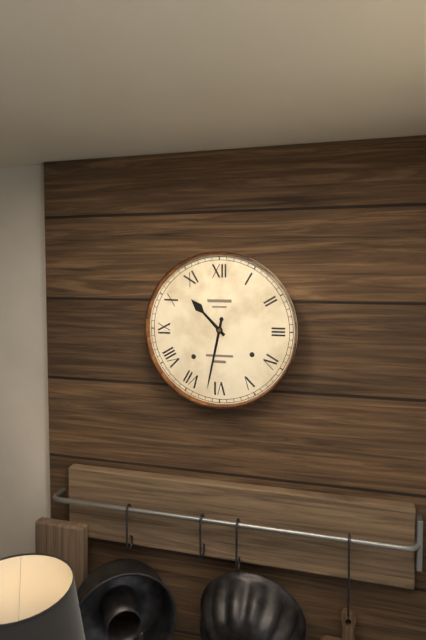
{"hour": 10, "minute": 32}
